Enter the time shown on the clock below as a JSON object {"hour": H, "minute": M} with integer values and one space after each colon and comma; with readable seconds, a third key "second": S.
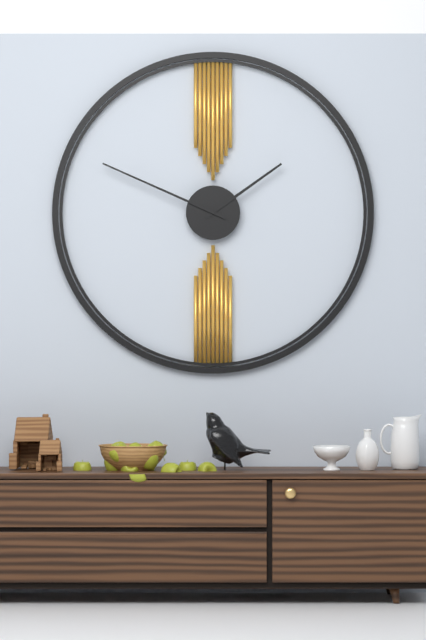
{"hour": 1, "minute": 49}
